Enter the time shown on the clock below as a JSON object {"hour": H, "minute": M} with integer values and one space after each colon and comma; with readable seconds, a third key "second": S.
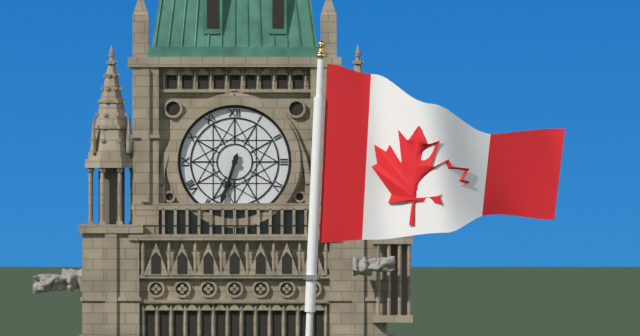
{"hour": 6, "minute": 33}
